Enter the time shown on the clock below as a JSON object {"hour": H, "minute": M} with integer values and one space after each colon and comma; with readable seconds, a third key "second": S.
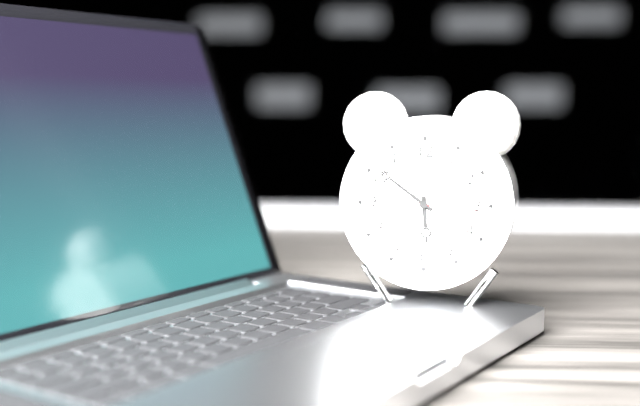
{"hour": 5, "minute": 51, "second": 16}
